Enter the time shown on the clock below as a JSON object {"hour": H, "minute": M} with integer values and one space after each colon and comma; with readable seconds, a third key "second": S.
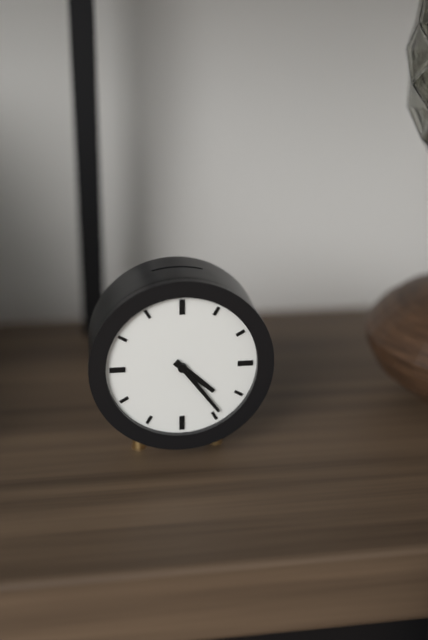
{"hour": 4, "minute": 24}
